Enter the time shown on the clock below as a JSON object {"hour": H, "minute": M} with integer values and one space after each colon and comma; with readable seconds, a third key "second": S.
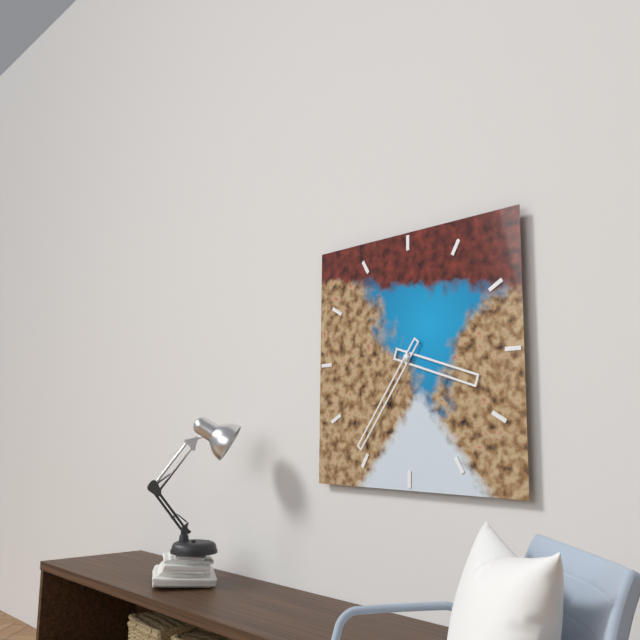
{"hour": 3, "minute": 36}
